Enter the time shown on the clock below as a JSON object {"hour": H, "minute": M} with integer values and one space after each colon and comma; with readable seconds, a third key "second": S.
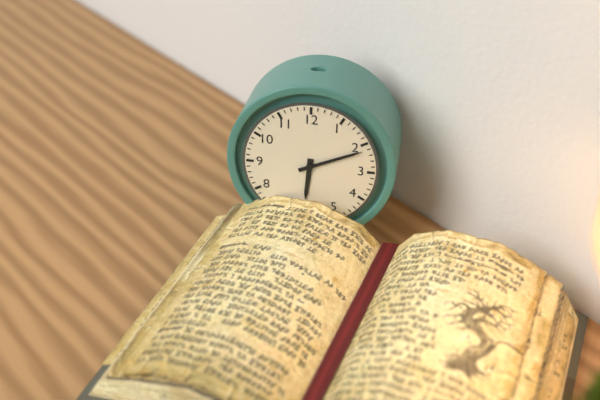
{"hour": 6, "minute": 11}
